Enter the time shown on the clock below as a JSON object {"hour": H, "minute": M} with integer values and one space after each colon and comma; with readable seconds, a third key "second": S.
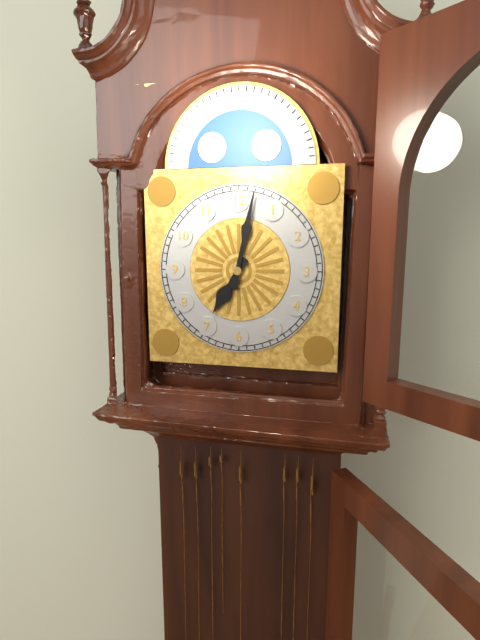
{"hour": 7, "minute": 2}
